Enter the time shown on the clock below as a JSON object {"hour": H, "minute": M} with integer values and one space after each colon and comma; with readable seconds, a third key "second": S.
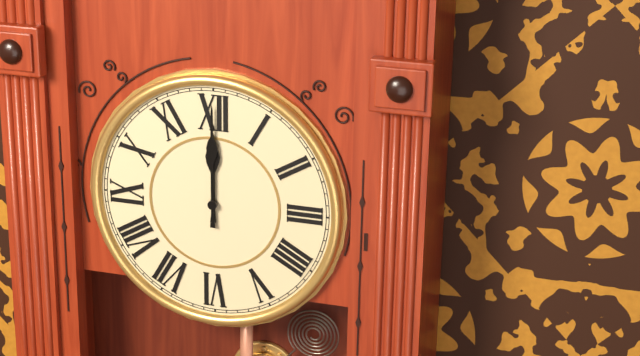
{"hour": 12, "minute": 0}
